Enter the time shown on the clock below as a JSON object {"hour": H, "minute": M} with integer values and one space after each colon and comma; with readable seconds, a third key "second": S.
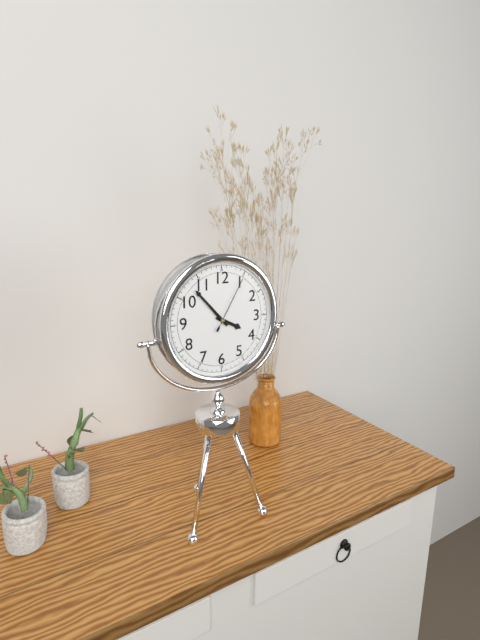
{"hour": 3, "minute": 53, "second": 5}
